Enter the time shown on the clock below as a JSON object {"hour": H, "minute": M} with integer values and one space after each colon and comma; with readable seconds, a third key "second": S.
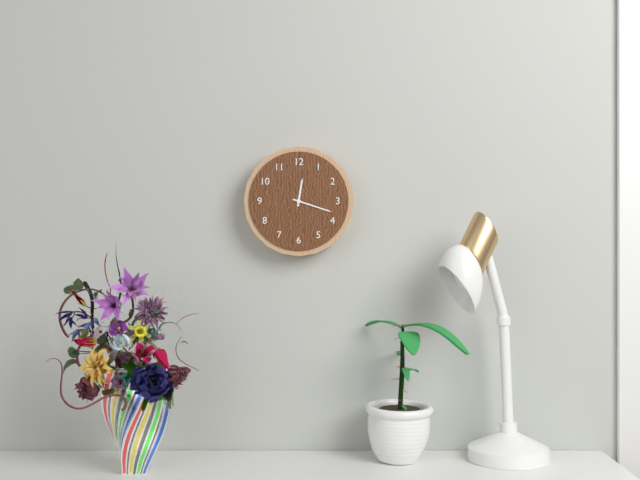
{"hour": 12, "minute": 18}
